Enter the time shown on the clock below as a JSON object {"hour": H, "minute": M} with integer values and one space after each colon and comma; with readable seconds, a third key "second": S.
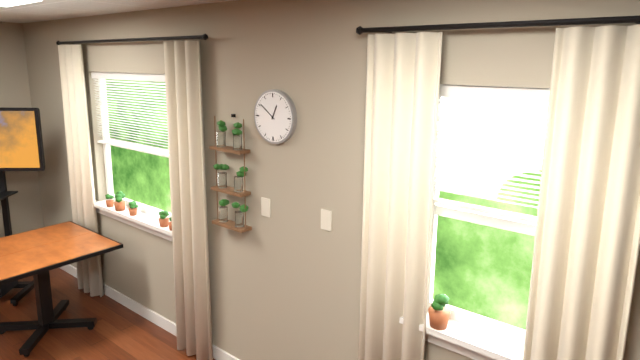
{"hour": 12, "minute": 51}
